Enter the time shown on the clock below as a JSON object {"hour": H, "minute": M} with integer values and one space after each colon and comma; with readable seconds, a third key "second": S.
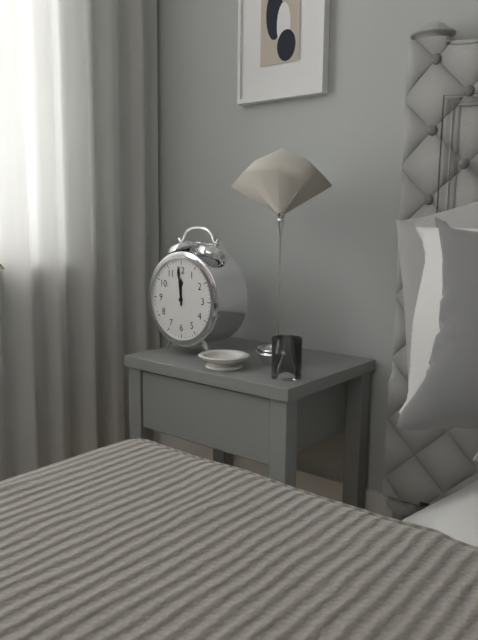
{"hour": 11, "minute": 59}
